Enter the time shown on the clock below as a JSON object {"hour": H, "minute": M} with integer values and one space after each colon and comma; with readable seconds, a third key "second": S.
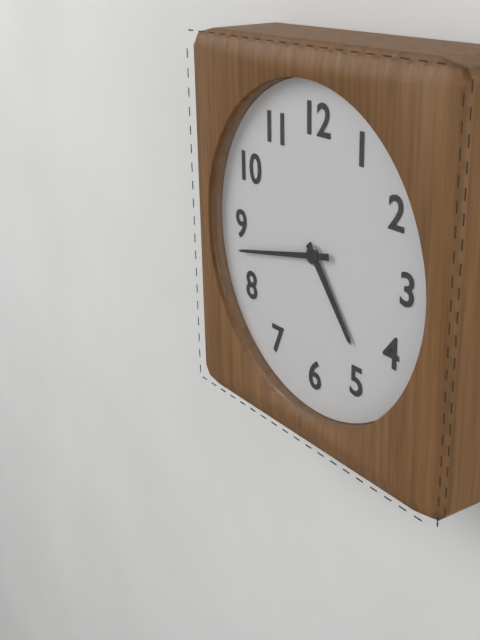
{"hour": 4, "minute": 43}
